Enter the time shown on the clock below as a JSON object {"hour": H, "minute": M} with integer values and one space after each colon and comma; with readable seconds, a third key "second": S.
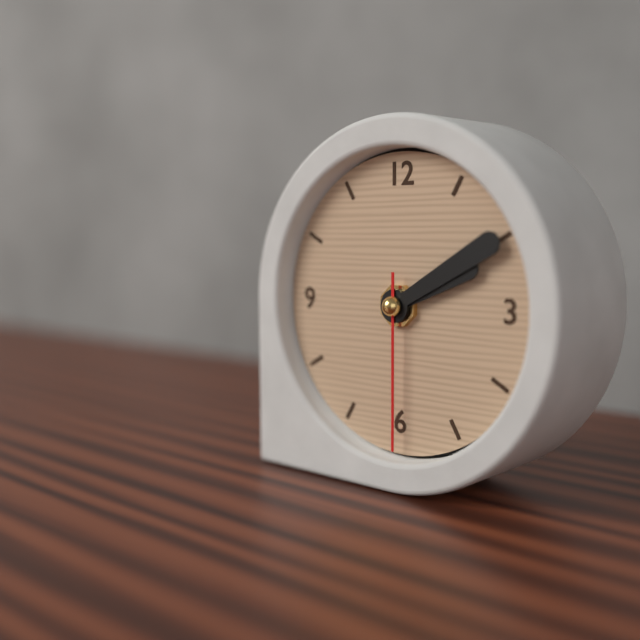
{"hour": 2, "minute": 10, "second": 30}
